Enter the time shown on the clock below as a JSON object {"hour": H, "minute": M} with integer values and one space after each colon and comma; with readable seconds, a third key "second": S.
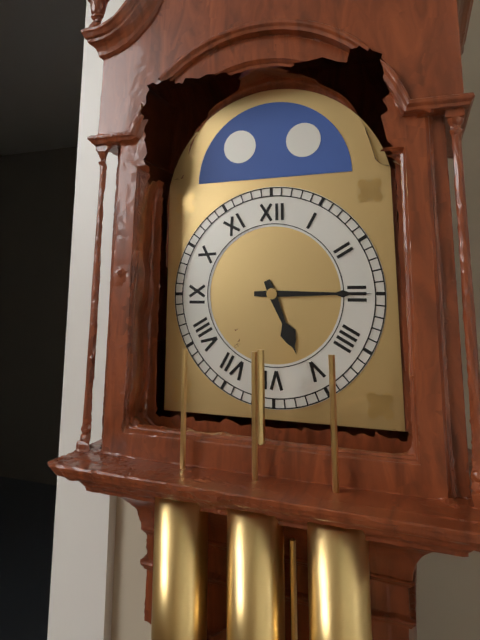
{"hour": 5, "minute": 15}
